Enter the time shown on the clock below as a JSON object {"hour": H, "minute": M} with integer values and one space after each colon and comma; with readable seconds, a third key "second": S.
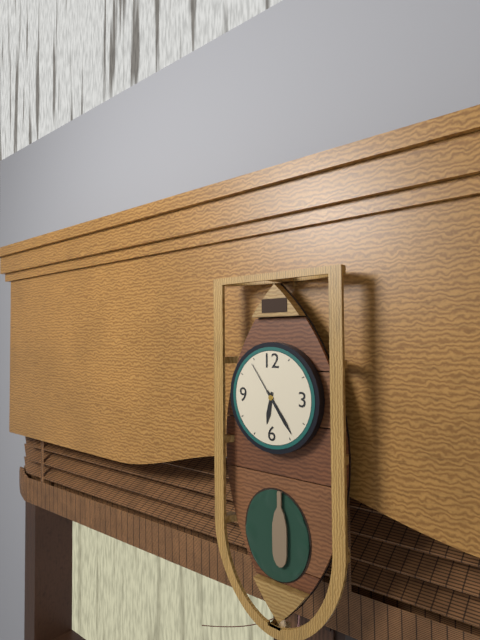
{"hour": 6, "minute": 24}
